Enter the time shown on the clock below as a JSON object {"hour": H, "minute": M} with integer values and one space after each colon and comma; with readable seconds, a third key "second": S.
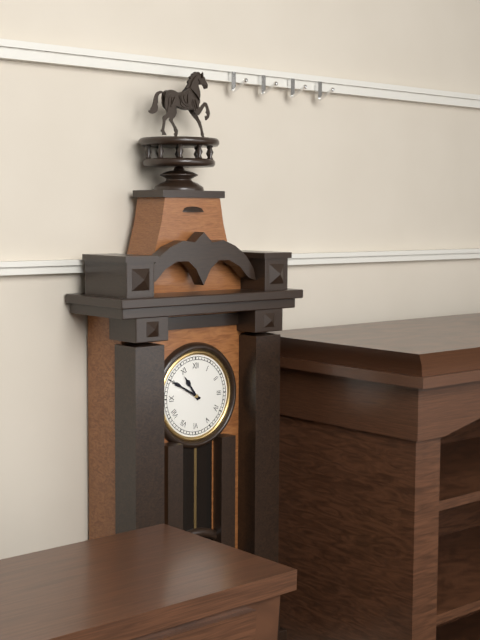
{"hour": 10, "minute": 50}
